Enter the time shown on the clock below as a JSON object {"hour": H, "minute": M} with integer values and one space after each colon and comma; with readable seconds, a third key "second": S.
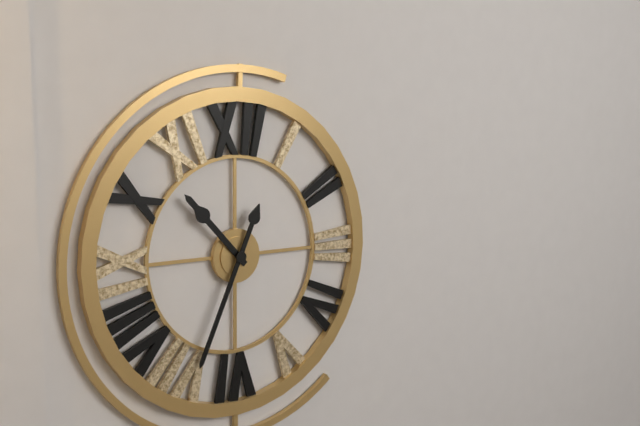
{"hour": 10, "minute": 34}
